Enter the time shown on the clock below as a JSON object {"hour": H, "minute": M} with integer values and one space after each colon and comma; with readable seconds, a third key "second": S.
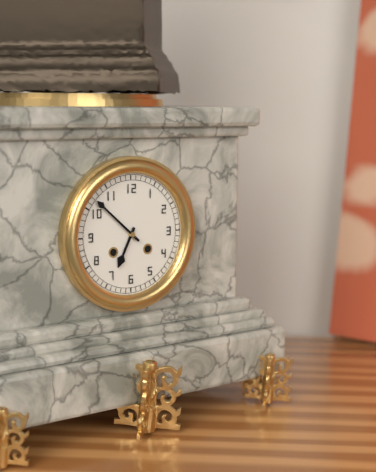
{"hour": 6, "minute": 52}
